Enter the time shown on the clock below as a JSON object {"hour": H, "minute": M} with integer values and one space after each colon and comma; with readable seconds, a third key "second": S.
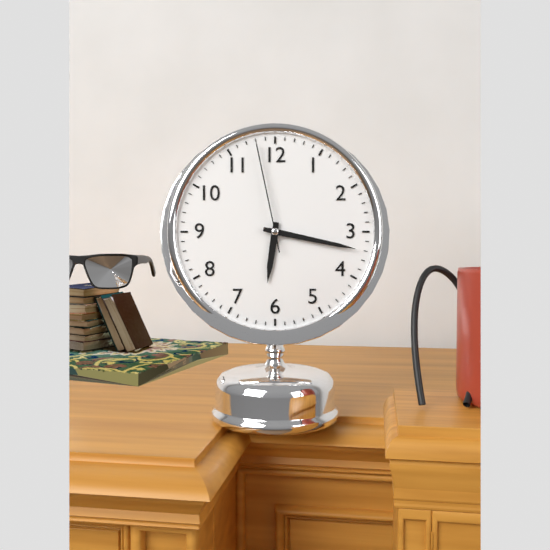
{"hour": 6, "minute": 17, "second": 58}
